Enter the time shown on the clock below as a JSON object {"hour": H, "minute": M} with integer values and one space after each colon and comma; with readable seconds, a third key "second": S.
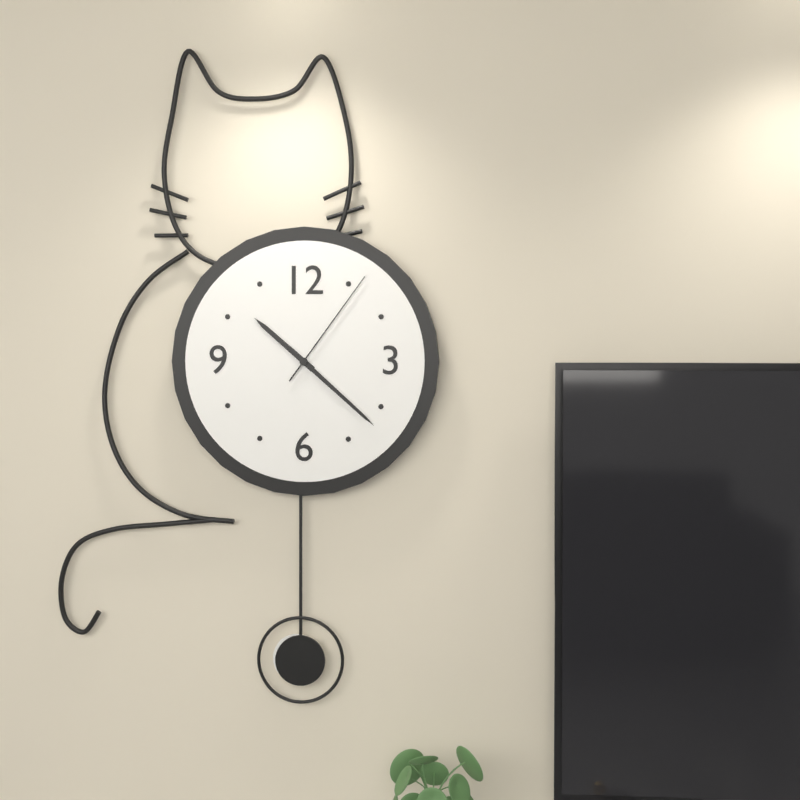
{"hour": 10, "minute": 22, "second": 6}
